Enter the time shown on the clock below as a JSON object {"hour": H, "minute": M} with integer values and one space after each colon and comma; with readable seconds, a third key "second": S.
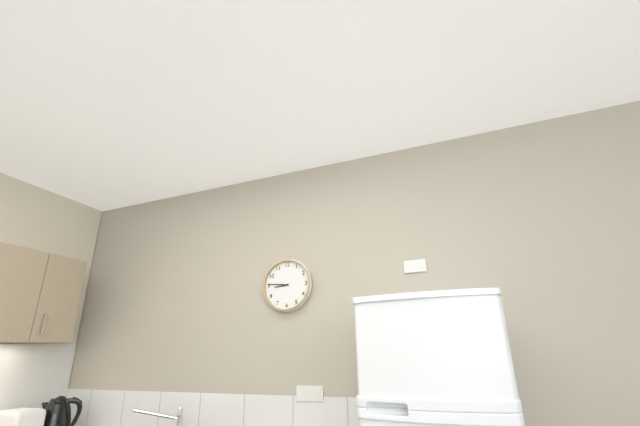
{"hour": 8, "minute": 46}
